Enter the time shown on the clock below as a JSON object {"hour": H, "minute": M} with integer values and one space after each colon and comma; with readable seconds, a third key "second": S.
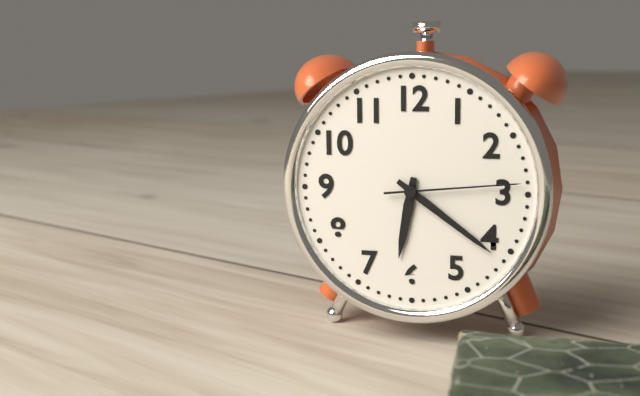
{"hour": 6, "minute": 21, "second": 14}
